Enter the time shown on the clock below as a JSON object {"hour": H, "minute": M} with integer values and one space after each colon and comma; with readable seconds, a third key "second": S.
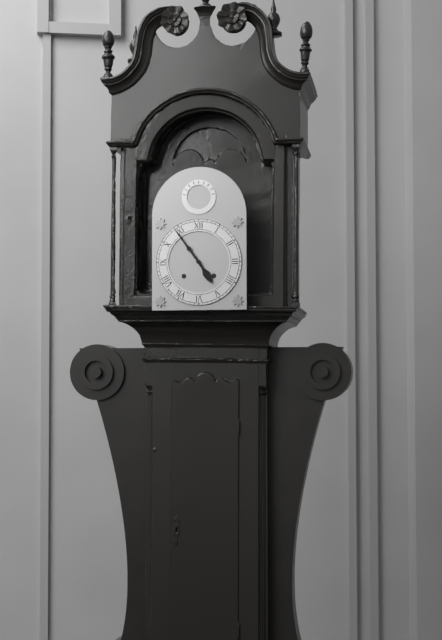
{"hour": 4, "minute": 54}
